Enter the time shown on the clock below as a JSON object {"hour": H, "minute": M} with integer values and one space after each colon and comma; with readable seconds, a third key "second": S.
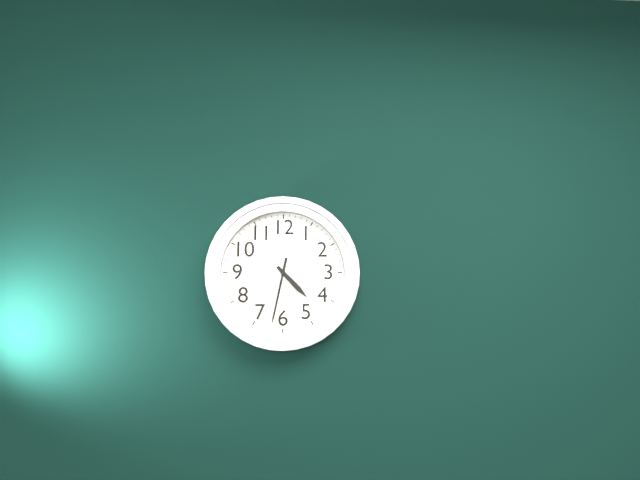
{"hour": 4, "minute": 32}
